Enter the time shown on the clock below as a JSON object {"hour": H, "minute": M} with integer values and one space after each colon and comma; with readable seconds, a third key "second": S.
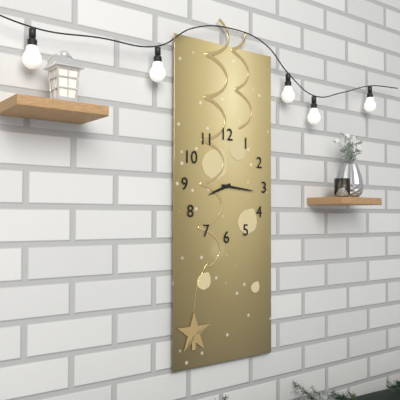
{"hour": 8, "minute": 16}
